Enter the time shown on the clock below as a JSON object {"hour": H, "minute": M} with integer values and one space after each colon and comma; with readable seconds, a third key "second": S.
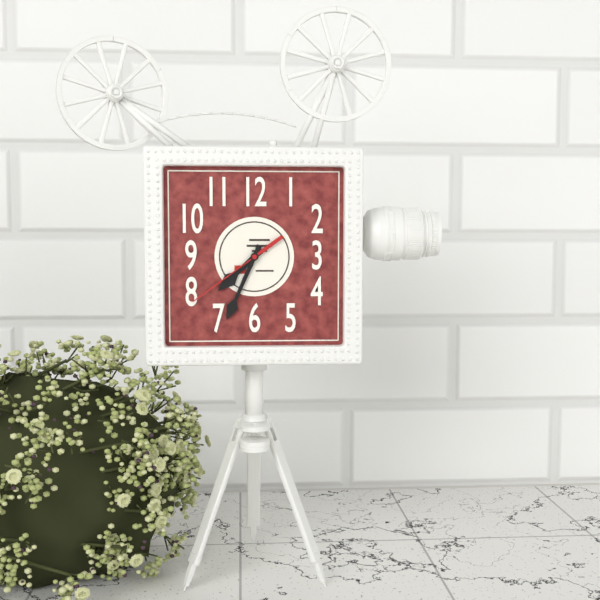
{"hour": 7, "minute": 34, "second": 39}
